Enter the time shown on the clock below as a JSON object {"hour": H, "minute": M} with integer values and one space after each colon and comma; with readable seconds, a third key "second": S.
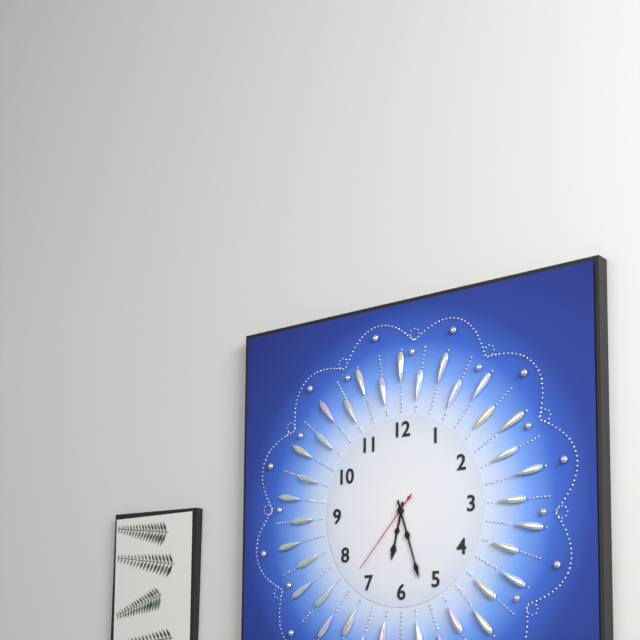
{"hour": 6, "minute": 27, "second": 37}
